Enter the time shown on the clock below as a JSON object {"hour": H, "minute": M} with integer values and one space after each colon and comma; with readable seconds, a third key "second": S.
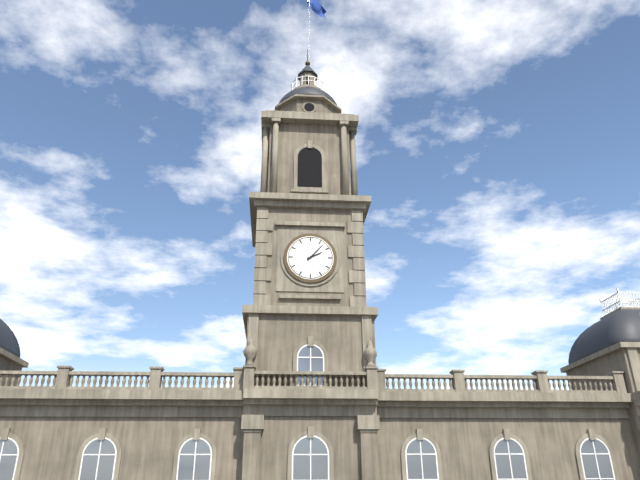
{"hour": 2, "minute": 7}
